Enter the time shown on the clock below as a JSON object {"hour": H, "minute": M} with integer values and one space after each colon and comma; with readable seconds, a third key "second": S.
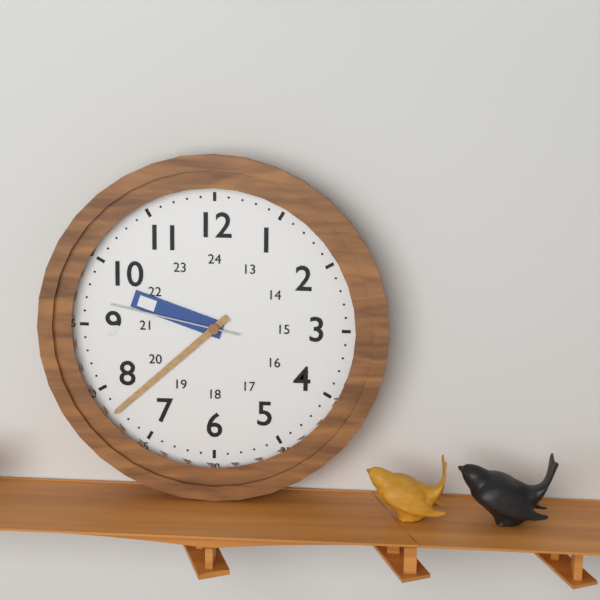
{"hour": 9, "minute": 38, "second": 47}
